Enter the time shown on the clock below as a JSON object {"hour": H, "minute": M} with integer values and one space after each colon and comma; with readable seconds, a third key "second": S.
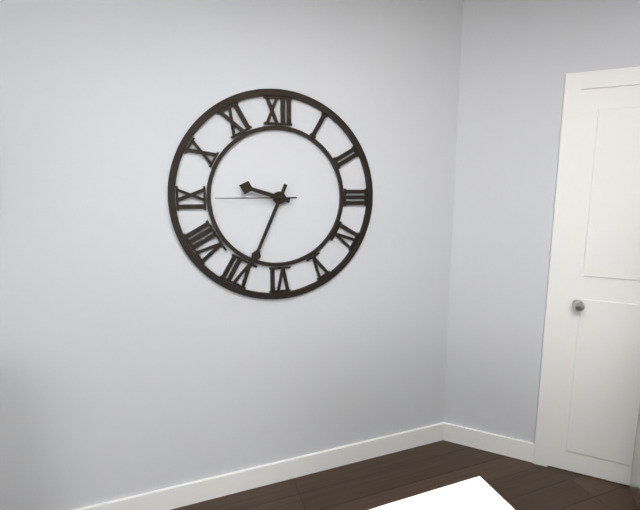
{"hour": 9, "minute": 34, "second": 45}
